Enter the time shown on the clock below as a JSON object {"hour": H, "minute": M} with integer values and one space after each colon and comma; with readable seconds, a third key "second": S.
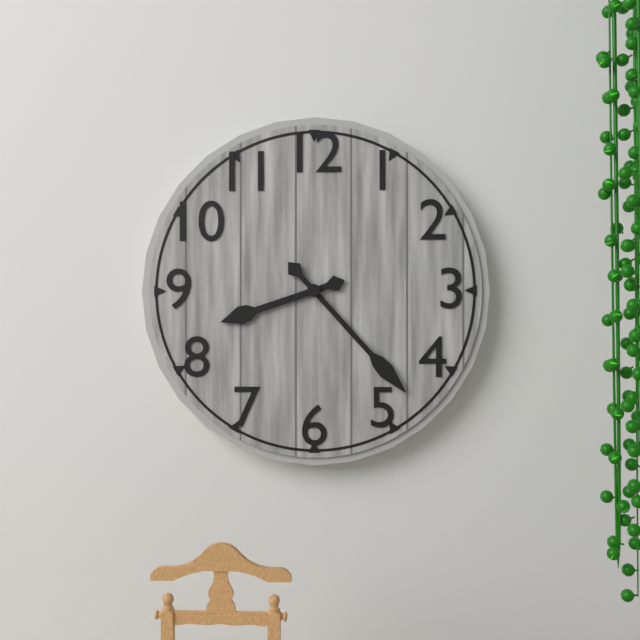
{"hour": 8, "minute": 23}
